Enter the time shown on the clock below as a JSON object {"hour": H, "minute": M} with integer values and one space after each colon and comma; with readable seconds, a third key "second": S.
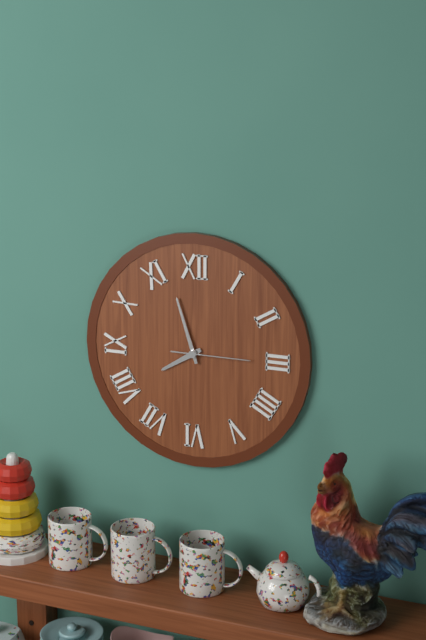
{"hour": 7, "minute": 57, "second": 15}
